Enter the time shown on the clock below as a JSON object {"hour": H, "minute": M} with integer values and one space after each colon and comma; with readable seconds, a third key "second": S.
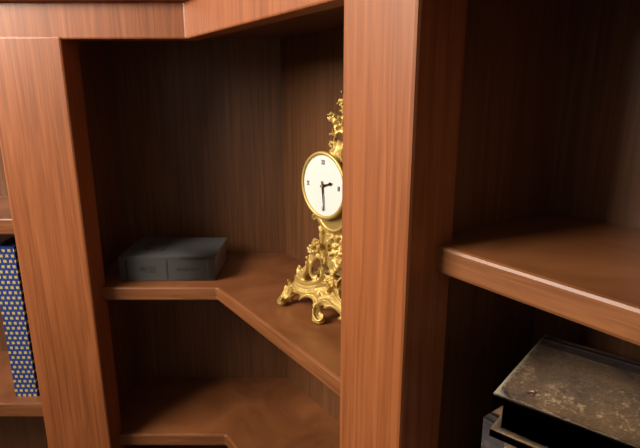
{"hour": 2, "minute": 29}
